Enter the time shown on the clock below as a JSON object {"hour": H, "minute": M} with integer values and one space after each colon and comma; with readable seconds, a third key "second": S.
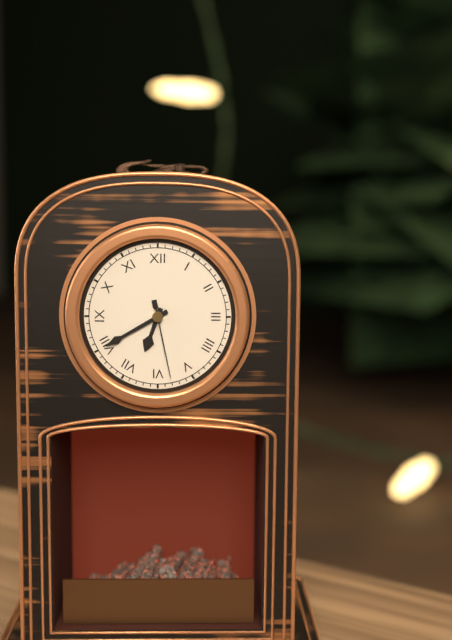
{"hour": 6, "minute": 40, "second": 28}
